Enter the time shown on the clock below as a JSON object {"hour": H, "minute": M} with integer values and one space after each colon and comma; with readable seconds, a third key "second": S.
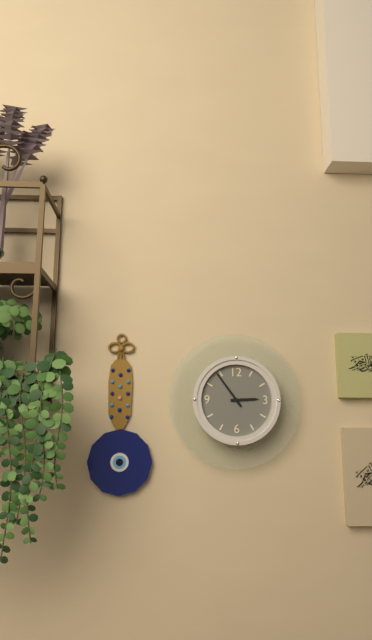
{"hour": 2, "minute": 54}
